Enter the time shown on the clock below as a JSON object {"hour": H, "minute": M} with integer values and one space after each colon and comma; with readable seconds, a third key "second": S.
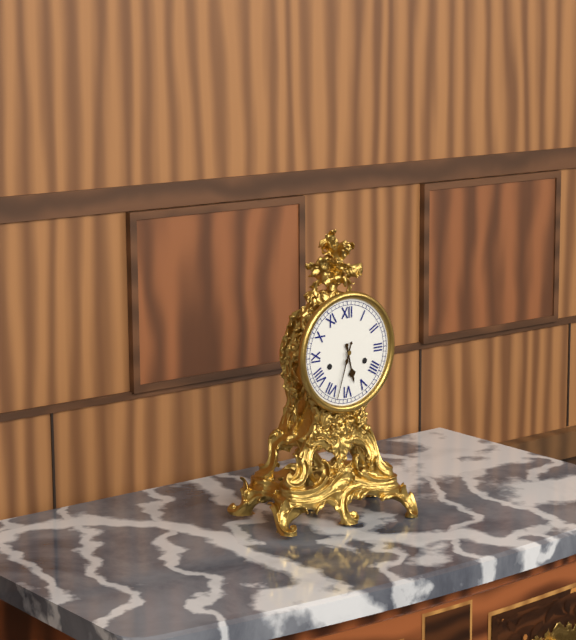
{"hour": 5, "minute": 33}
